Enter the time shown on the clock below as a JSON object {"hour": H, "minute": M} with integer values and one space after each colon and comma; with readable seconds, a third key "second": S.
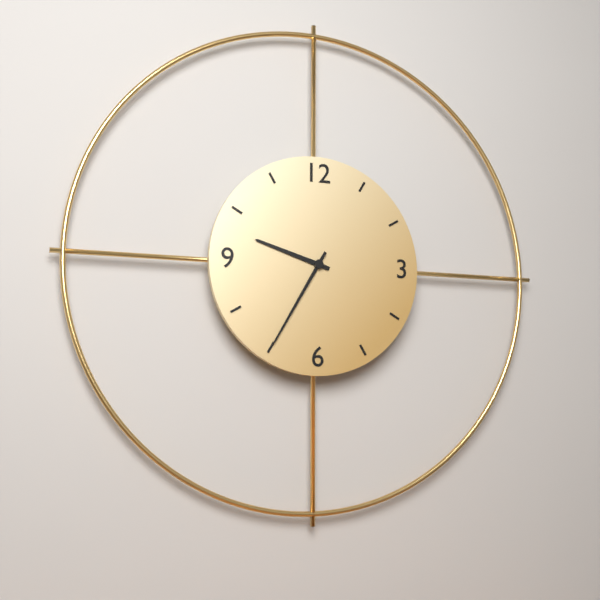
{"hour": 9, "minute": 35}
